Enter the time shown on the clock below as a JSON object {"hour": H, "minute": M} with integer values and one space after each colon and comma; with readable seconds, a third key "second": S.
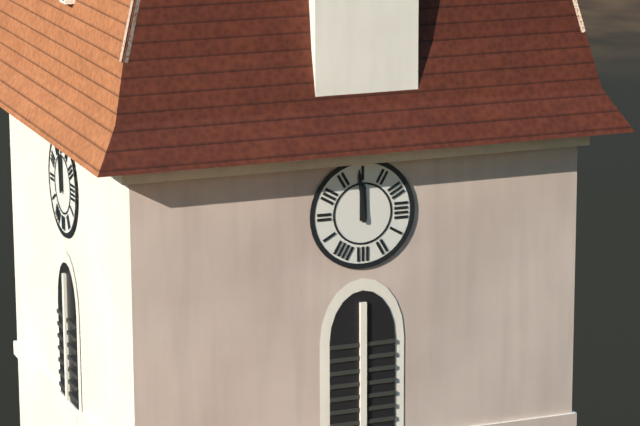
{"hour": 11, "minute": 59}
